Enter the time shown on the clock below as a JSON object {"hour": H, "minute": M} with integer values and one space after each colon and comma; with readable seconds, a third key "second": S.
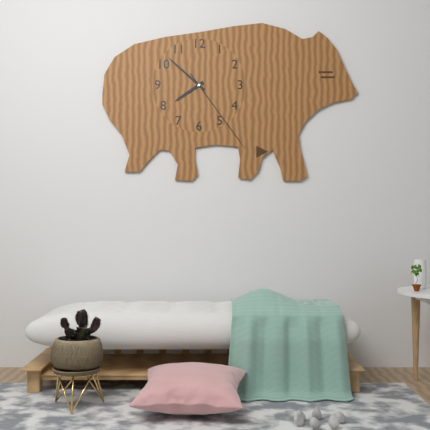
{"hour": 7, "minute": 52, "second": 24}
